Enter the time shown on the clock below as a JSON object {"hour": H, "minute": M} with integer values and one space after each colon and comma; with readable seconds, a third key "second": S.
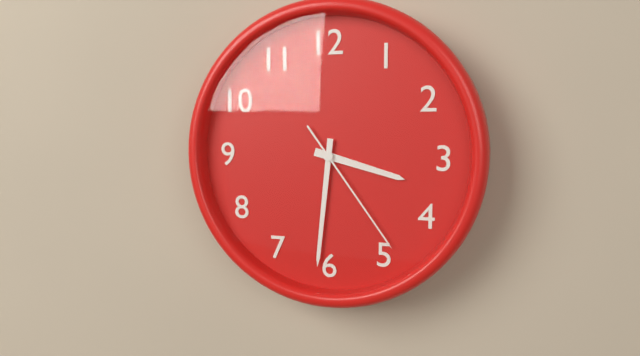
{"hour": 3, "minute": 31, "second": 24}
